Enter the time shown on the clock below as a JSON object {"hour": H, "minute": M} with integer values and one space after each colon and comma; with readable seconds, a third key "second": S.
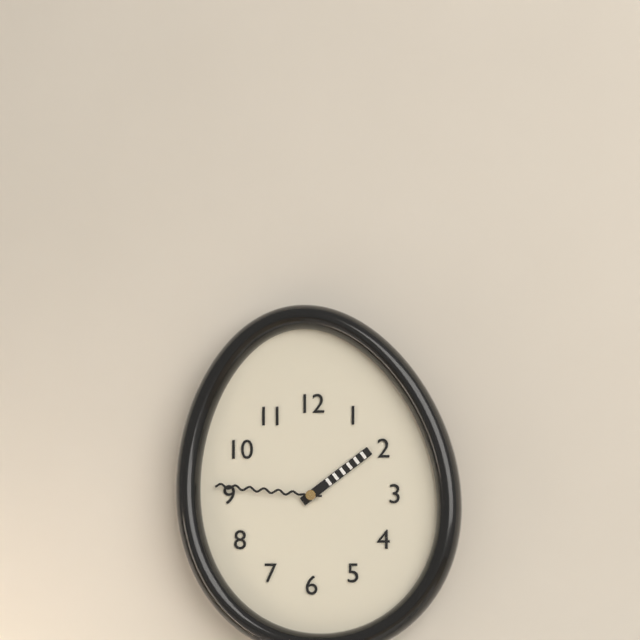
{"hour": 1, "minute": 46}
